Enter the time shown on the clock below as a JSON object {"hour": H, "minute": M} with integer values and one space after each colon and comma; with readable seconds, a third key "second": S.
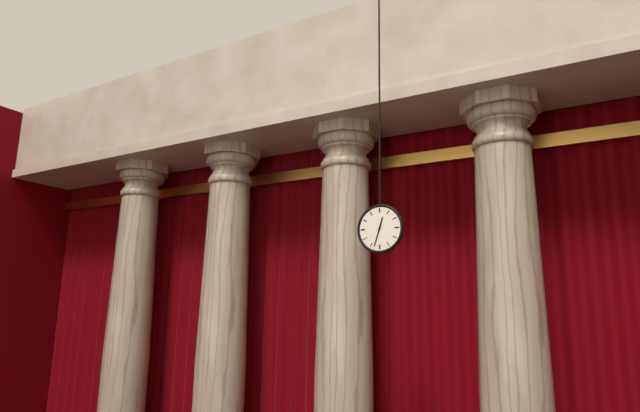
{"hour": 12, "minute": 33}
